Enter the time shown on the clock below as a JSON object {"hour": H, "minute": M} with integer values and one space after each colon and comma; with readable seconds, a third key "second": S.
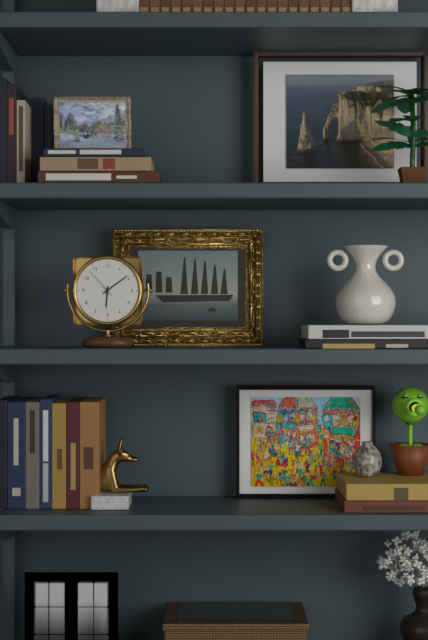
{"hour": 6, "minute": 9}
